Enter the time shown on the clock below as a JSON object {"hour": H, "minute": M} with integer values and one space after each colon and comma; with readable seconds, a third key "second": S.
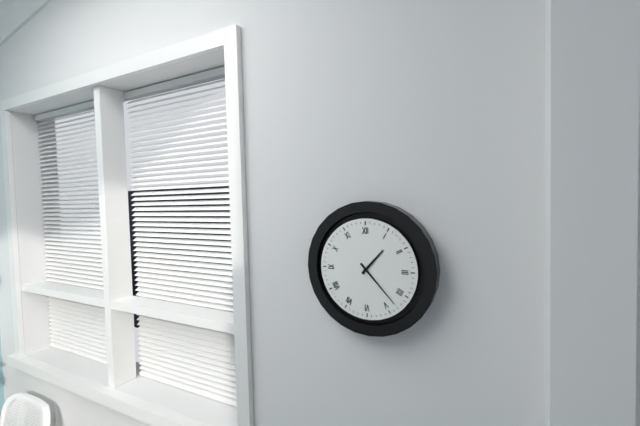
{"hour": 1, "minute": 23}
